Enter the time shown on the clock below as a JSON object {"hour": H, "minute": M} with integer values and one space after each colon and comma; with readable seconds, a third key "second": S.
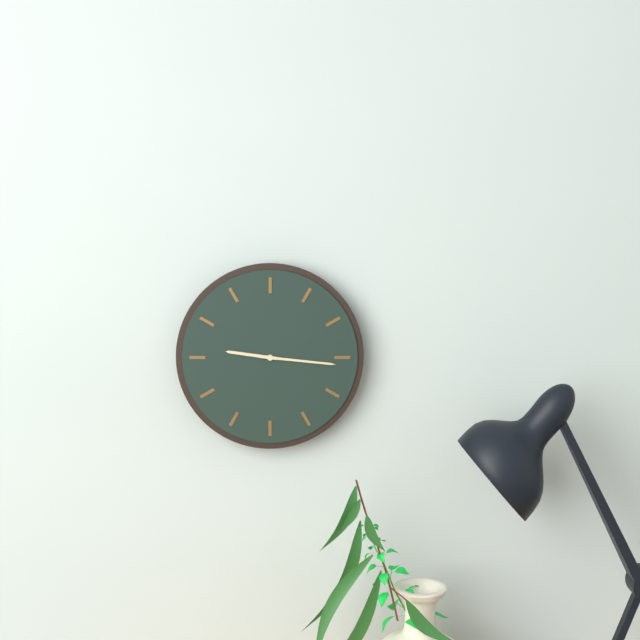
{"hour": 9, "minute": 16}
